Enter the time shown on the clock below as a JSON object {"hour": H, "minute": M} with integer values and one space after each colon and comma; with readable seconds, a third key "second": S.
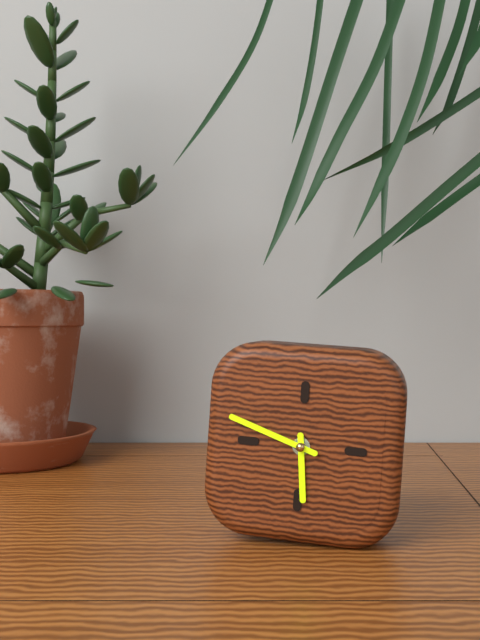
{"hour": 5, "minute": 48}
